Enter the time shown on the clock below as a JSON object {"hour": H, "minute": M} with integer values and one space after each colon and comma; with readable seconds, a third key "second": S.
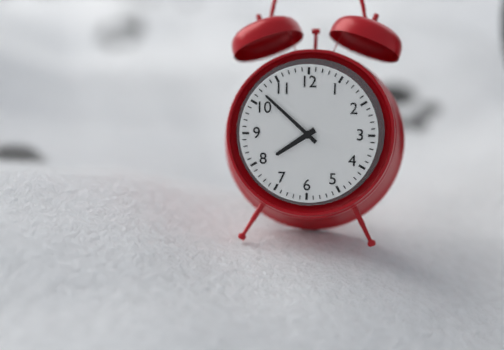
{"hour": 7, "minute": 52}
